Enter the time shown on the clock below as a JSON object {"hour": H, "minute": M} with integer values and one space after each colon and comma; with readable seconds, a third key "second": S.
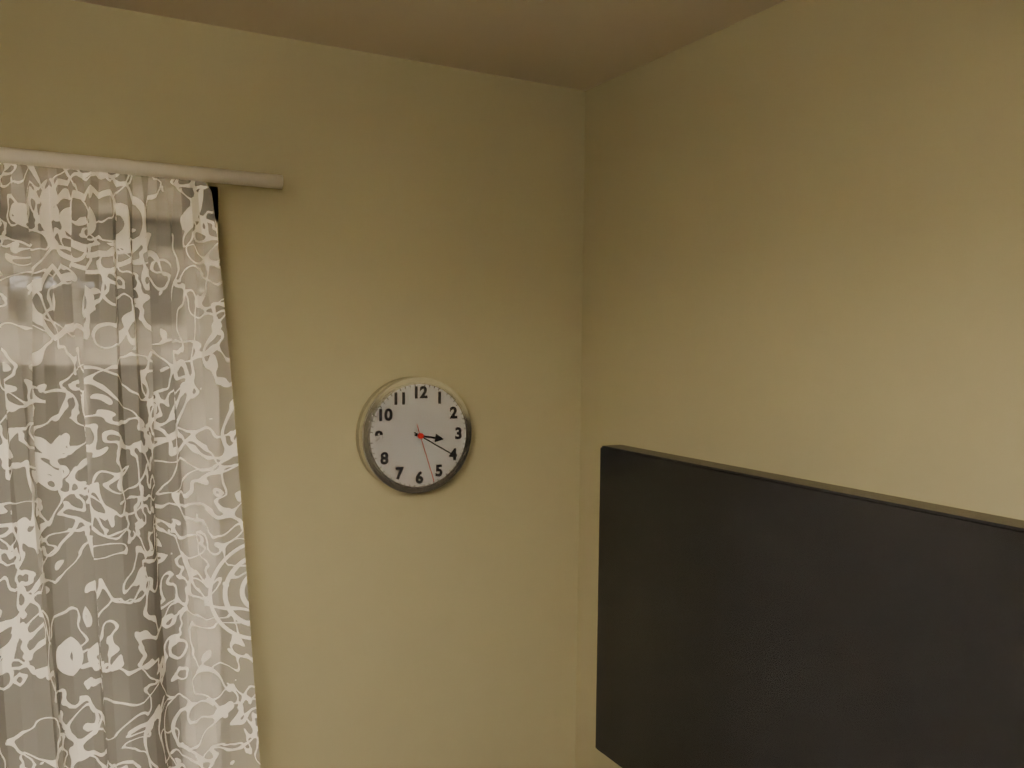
{"hour": 3, "minute": 20, "second": 27}
